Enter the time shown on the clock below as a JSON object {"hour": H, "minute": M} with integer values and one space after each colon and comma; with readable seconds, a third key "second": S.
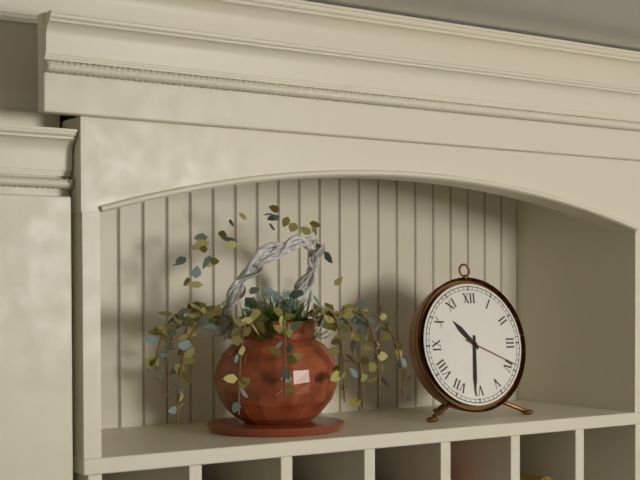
{"hour": 10, "minute": 31, "second": 19}
